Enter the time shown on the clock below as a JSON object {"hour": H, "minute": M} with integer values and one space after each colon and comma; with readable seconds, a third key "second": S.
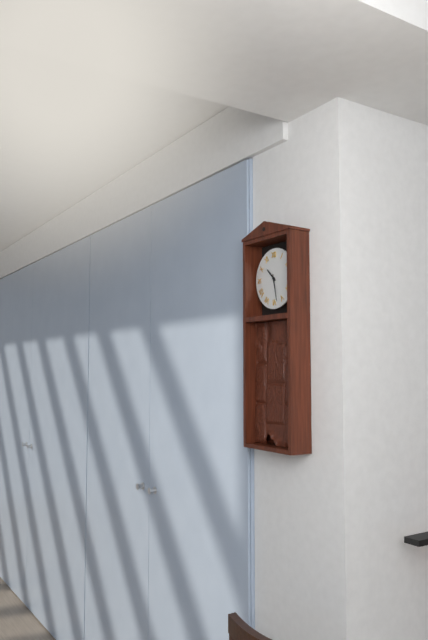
{"hour": 10, "minute": 28}
